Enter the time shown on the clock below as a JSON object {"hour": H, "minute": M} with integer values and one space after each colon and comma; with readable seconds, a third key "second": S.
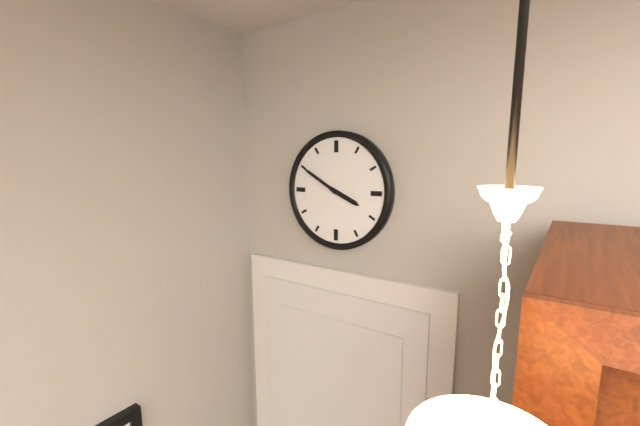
{"hour": 3, "minute": 50}
